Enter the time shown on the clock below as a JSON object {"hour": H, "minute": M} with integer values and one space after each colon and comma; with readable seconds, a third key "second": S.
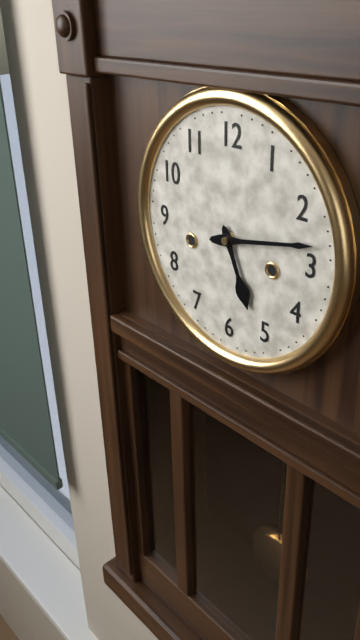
{"hour": 5, "minute": 13}
